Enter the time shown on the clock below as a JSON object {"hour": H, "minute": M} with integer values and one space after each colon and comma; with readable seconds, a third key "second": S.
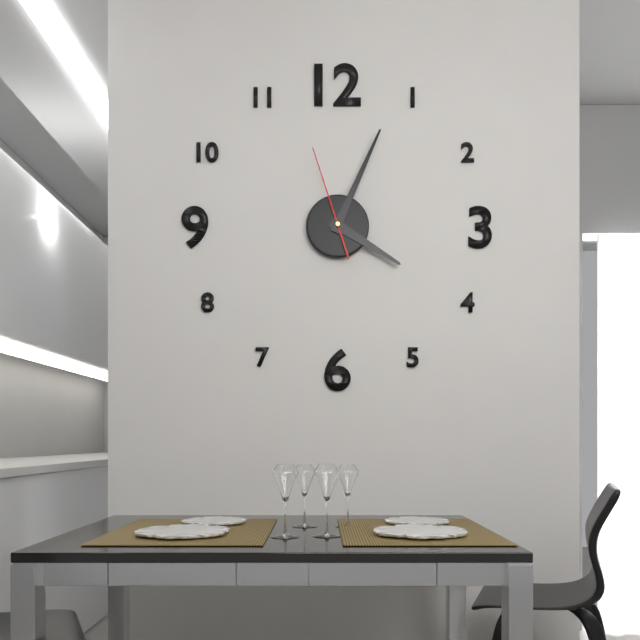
{"hour": 4, "minute": 4, "second": 57}
